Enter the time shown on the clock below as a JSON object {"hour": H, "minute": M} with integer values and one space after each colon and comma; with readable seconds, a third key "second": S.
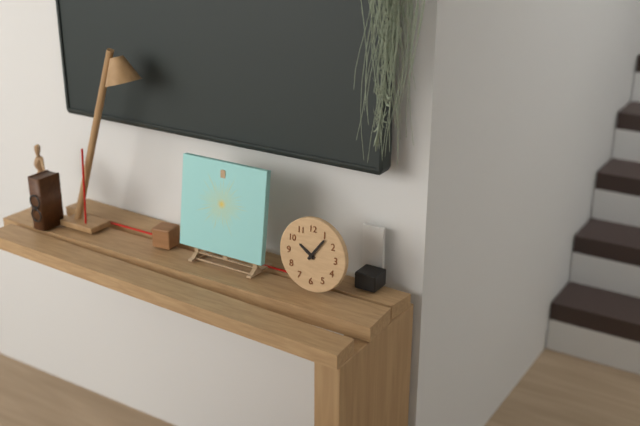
{"hour": 10, "minute": 6}
